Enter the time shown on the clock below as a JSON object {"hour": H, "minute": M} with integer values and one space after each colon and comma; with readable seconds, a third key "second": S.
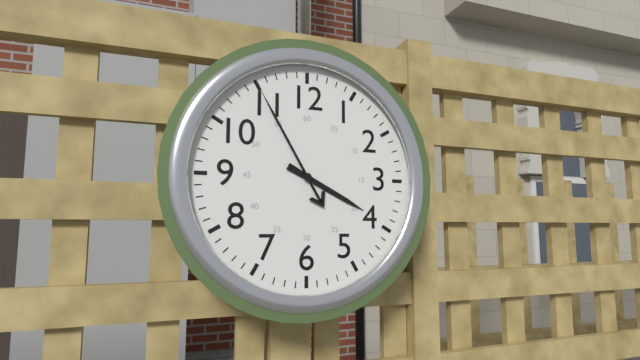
{"hour": 3, "minute": 55}
